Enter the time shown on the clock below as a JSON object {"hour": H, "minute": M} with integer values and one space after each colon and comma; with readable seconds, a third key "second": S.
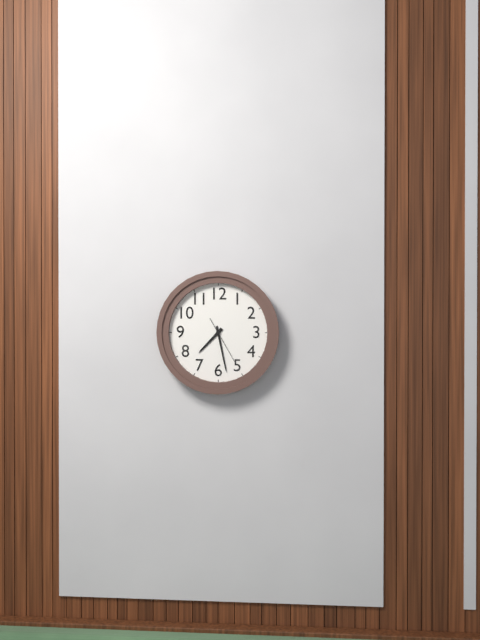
{"hour": 7, "minute": 28}
